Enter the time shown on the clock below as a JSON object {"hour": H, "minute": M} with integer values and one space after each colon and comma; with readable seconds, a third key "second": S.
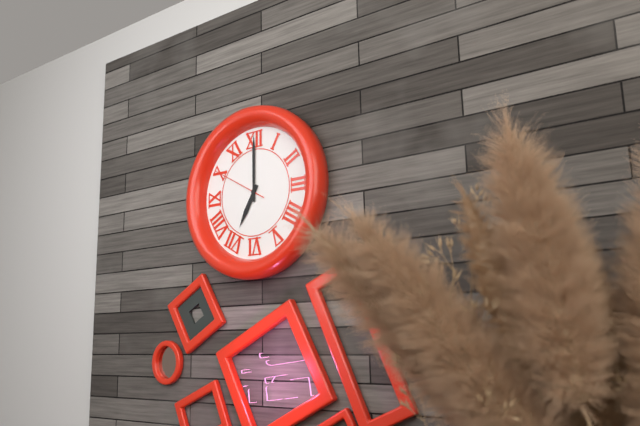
{"hour": 7, "minute": 0, "second": 50}
